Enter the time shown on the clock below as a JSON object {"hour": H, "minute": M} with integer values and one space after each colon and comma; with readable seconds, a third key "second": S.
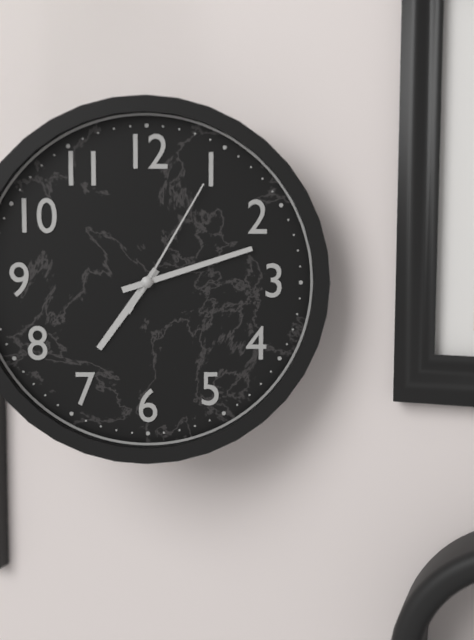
{"hour": 7, "minute": 12, "second": 5}
